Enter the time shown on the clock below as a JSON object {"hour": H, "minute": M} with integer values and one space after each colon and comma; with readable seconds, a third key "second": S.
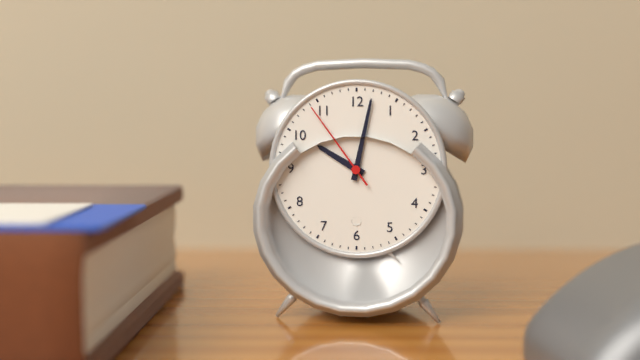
{"hour": 10, "minute": 2, "second": 54}
